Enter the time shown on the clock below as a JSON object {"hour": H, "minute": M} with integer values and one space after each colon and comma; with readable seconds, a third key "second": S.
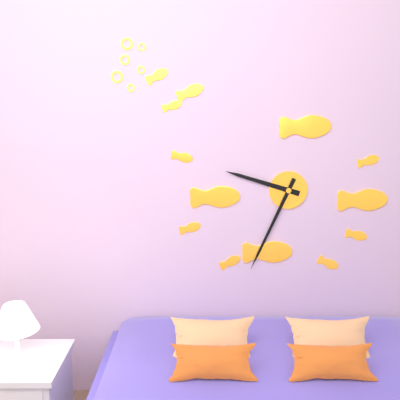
{"hour": 9, "minute": 34}
